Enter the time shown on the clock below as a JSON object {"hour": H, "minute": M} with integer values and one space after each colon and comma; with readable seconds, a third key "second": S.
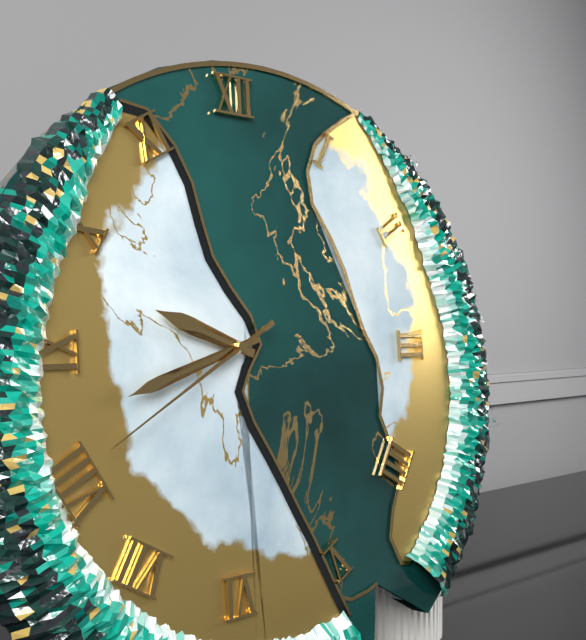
{"hour": 9, "minute": 42, "second": 40}
